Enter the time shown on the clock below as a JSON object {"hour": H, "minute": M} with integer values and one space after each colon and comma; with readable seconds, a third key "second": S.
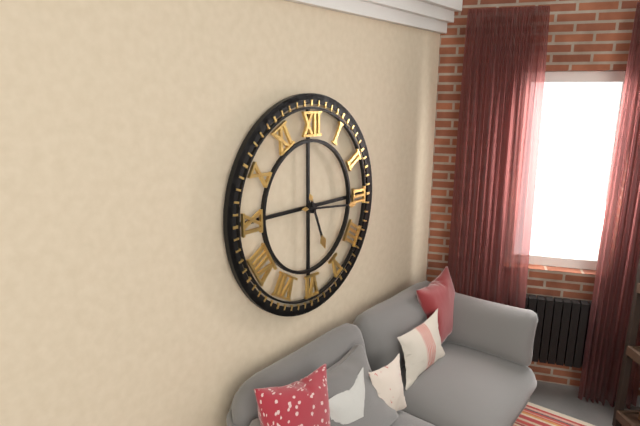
{"hour": 5, "minute": 16}
